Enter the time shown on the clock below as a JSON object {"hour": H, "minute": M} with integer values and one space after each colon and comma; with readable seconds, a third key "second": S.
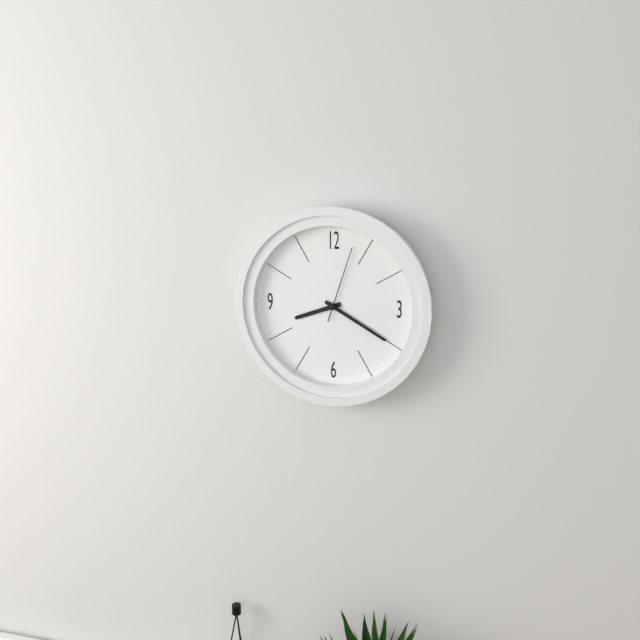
{"hour": 8, "minute": 20, "second": 3}
